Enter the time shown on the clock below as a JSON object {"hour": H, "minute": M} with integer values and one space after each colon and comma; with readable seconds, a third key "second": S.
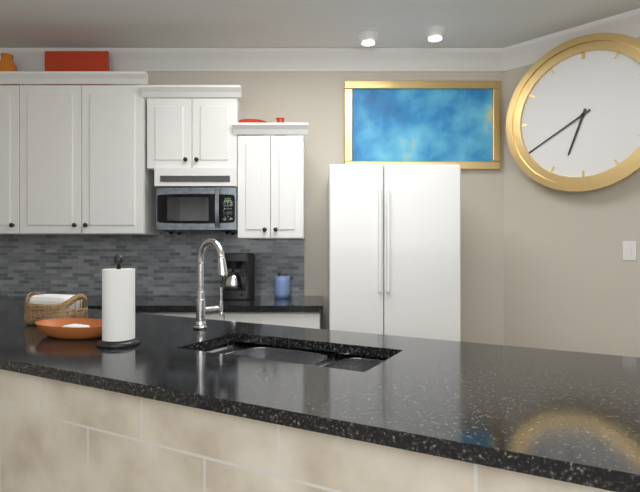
{"hour": 6, "minute": 40}
